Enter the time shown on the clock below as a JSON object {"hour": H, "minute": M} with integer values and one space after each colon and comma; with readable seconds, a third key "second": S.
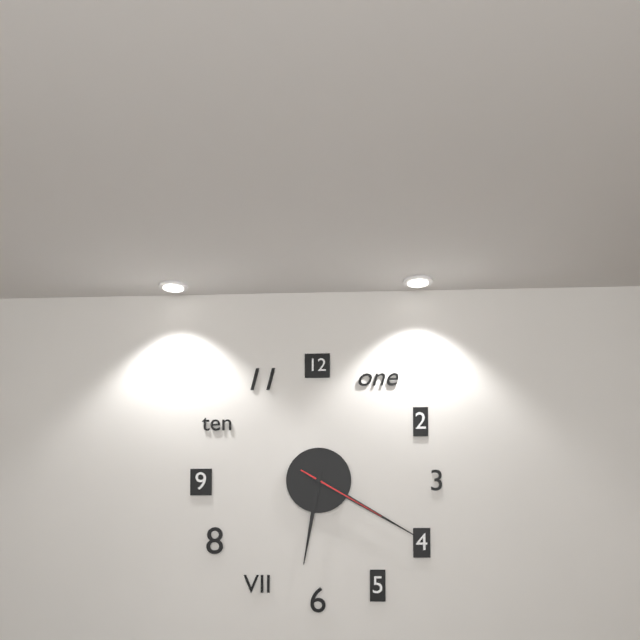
{"hour": 6, "minute": 20, "second": 20}
